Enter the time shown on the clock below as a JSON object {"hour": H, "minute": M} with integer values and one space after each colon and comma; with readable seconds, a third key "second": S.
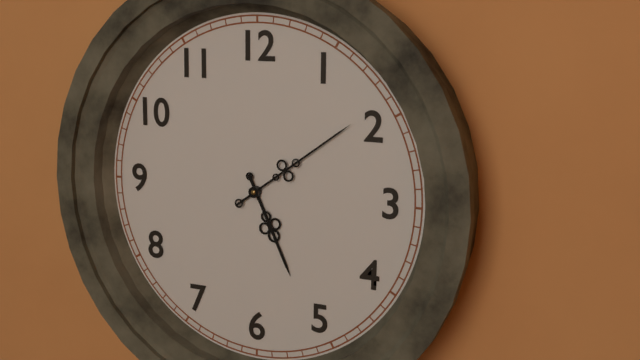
{"hour": 5, "minute": 9}
